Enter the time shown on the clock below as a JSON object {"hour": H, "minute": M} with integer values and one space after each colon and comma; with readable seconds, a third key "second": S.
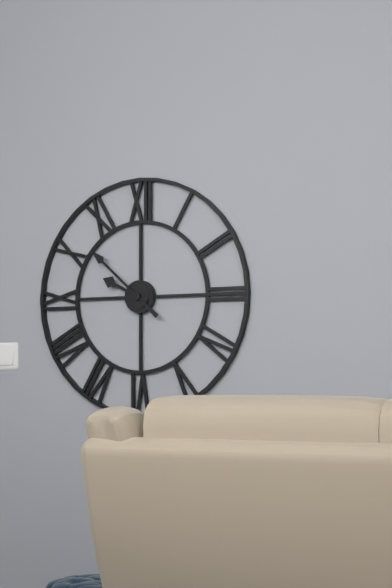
{"hour": 9, "minute": 52}
